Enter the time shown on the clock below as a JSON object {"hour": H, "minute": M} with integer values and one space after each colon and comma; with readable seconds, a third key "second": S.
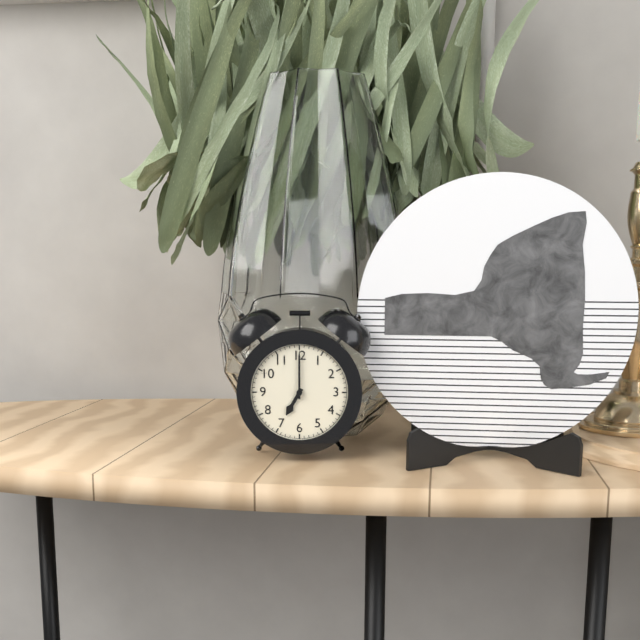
{"hour": 7, "minute": 0}
